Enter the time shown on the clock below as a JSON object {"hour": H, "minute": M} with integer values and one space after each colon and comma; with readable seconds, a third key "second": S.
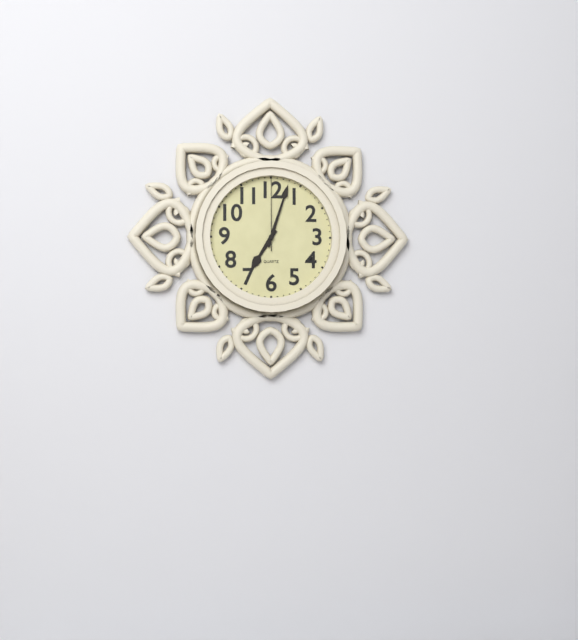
{"hour": 7, "minute": 3, "second": 0}
